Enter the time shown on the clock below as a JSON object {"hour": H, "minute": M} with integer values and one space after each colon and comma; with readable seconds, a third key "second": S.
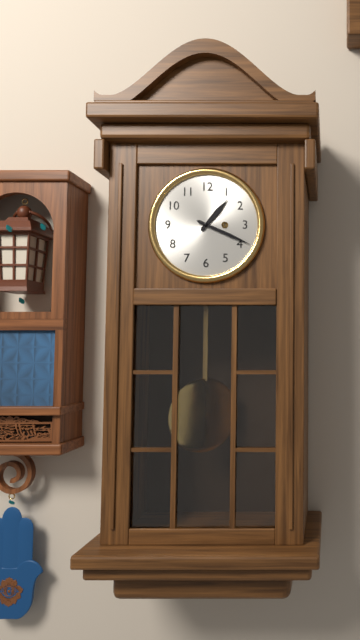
{"hour": 1, "minute": 19}
